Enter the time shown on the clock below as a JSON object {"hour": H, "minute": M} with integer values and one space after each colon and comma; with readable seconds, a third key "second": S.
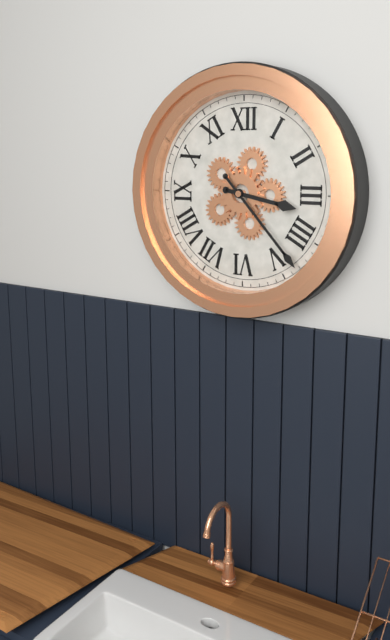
{"hour": 3, "minute": 23}
